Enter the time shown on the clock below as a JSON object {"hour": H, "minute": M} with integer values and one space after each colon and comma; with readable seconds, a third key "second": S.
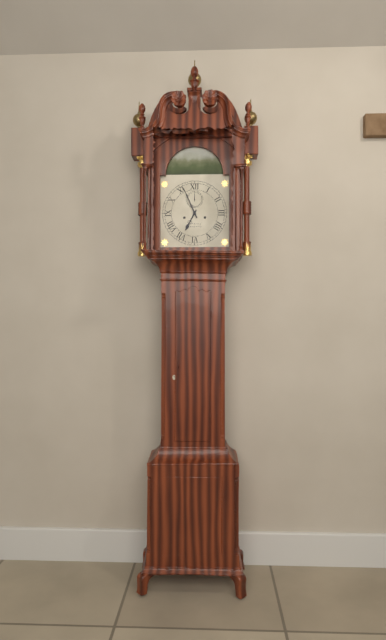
{"hour": 6, "minute": 56}
